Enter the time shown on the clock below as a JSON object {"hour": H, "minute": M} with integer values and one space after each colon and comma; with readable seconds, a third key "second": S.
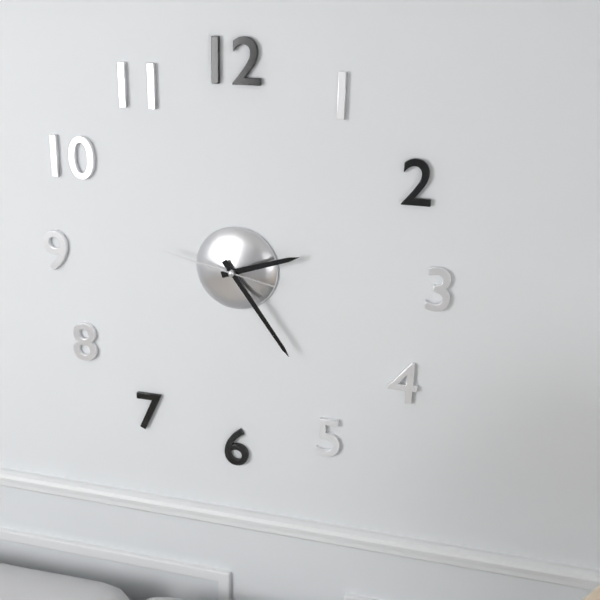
{"hour": 2, "minute": 24, "second": 47}
